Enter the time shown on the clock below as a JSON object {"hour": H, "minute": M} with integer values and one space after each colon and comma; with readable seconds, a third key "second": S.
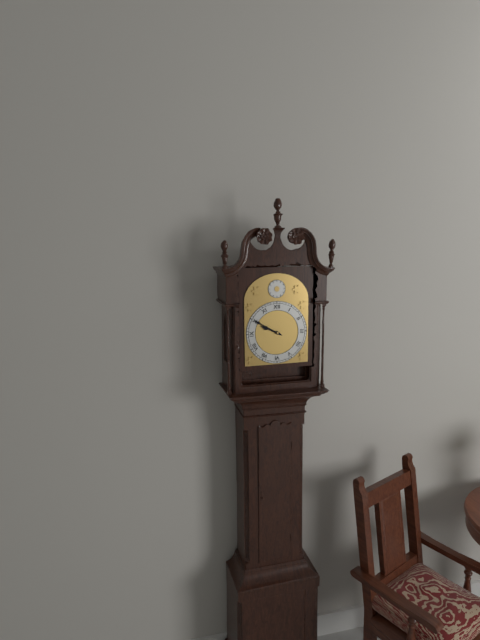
{"hour": 9, "minute": 50}
